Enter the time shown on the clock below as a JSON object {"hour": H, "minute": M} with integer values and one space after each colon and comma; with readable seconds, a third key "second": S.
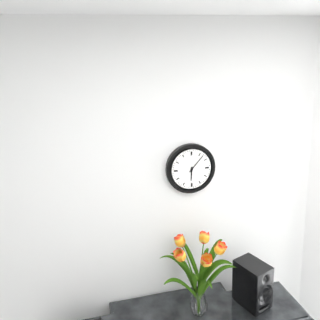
{"hour": 6, "minute": 7}
